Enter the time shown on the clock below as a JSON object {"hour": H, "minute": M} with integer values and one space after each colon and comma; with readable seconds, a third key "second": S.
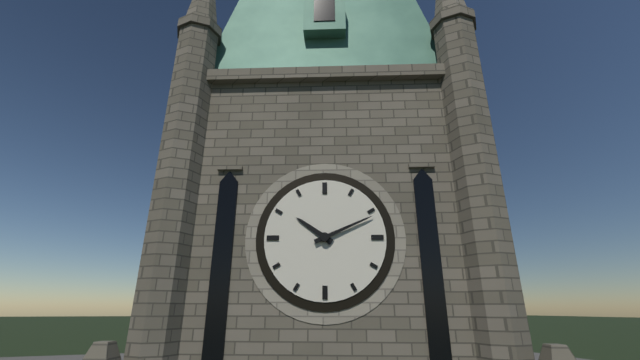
{"hour": 10, "minute": 11}
